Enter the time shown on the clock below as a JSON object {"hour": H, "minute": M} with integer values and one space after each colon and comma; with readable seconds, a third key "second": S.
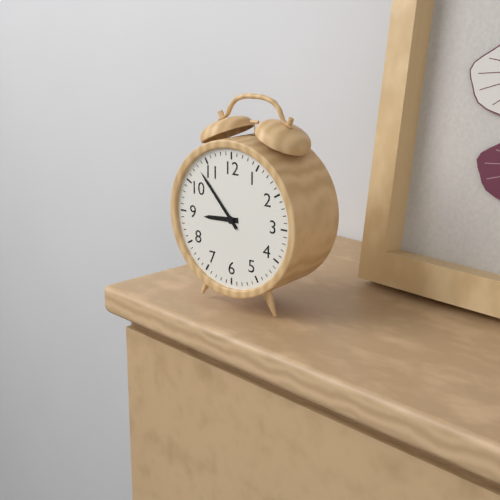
{"hour": 8, "minute": 53}
